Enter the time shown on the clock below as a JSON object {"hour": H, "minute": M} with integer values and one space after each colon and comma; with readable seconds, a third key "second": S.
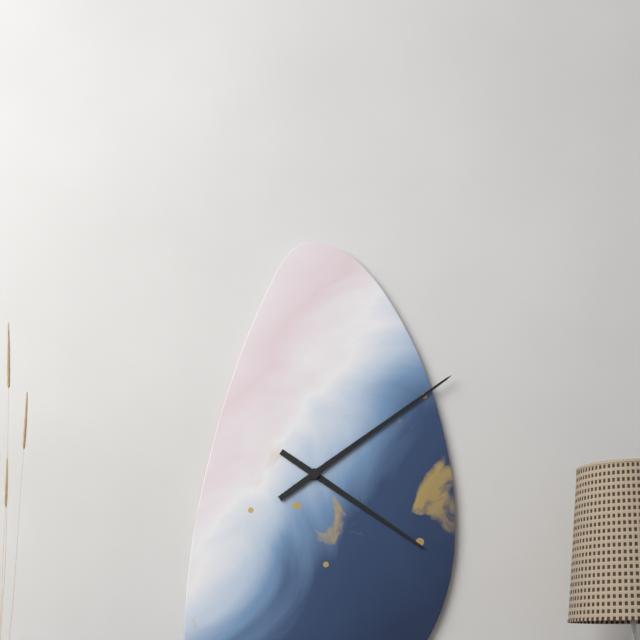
{"hour": 4, "minute": 9}
